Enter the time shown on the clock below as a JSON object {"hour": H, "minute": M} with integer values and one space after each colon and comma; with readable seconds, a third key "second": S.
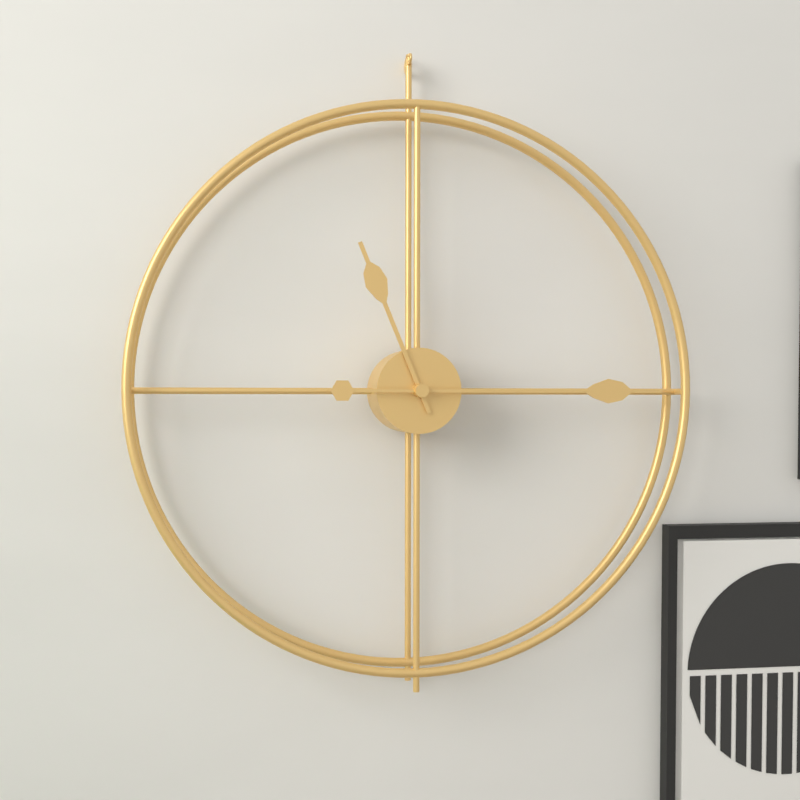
{"hour": 11, "minute": 15}
